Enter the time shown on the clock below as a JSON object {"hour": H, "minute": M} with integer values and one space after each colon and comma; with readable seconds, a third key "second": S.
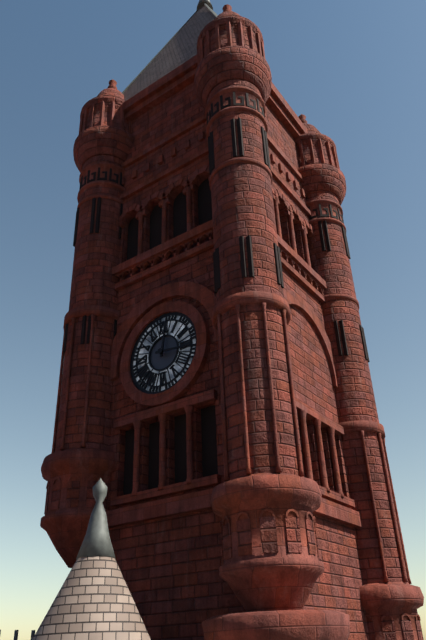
{"hour": 12, "minute": 16}
